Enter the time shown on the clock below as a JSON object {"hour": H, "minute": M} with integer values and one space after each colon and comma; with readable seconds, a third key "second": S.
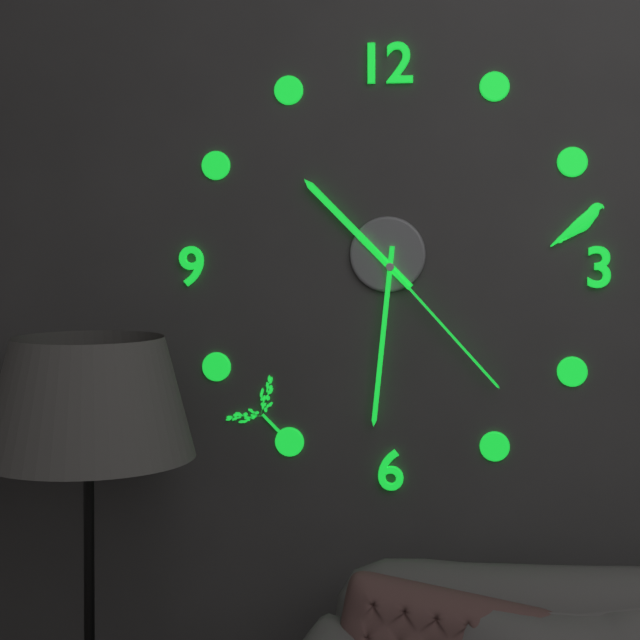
{"hour": 10, "minute": 31, "second": 23}
